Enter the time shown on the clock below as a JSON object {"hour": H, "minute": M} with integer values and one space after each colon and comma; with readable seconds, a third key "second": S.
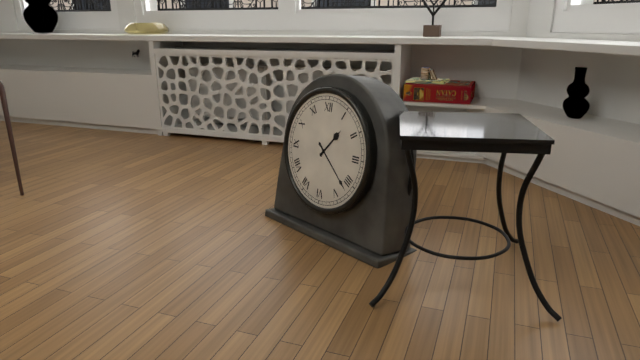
{"hour": 1, "minute": 22}
